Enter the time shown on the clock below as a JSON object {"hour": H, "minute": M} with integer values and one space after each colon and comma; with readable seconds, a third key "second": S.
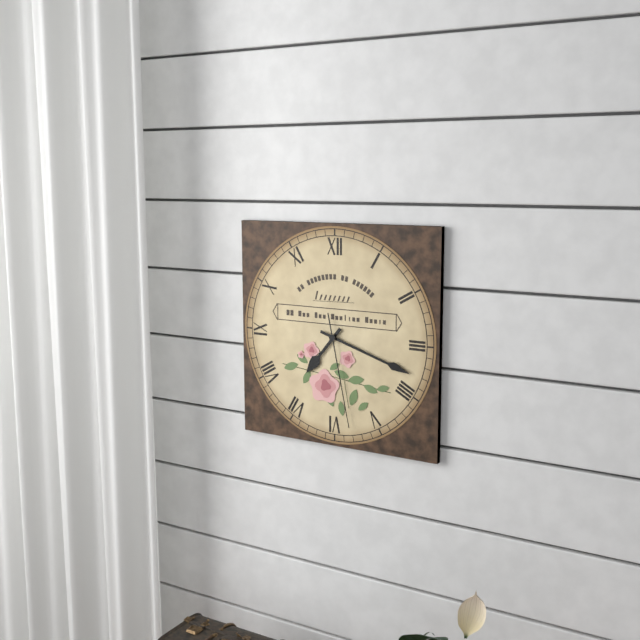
{"hour": 7, "minute": 18, "second": 28}
